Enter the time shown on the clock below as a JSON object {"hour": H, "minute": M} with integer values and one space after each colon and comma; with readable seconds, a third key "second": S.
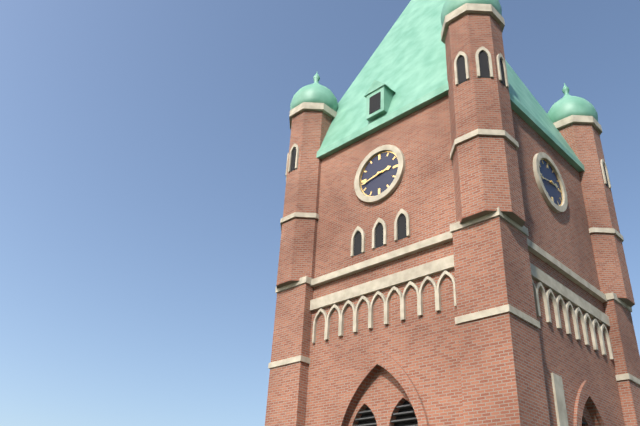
{"hour": 2, "minute": 43}
